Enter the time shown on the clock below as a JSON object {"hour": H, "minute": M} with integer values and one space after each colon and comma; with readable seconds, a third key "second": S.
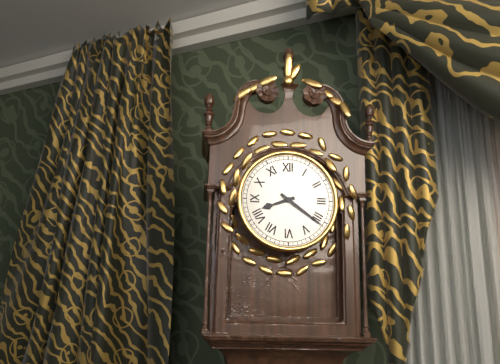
{"hour": 8, "minute": 21}
